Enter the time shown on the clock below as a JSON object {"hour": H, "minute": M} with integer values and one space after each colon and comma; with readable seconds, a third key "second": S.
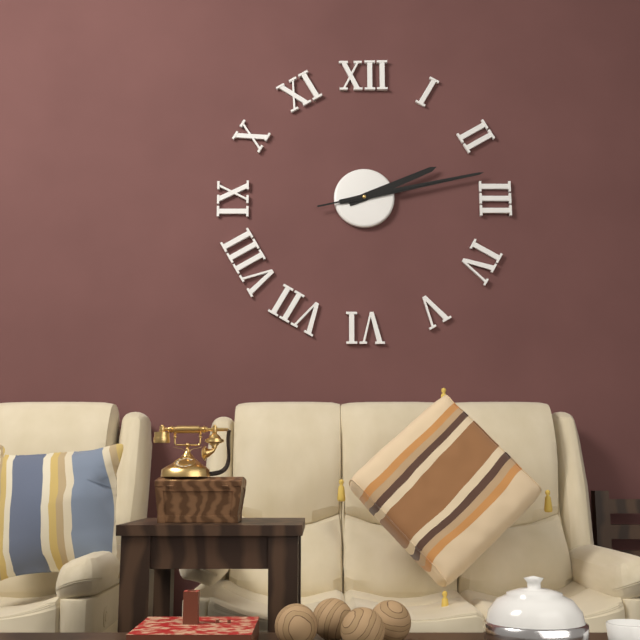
{"hour": 2, "minute": 13, "second": 13}
